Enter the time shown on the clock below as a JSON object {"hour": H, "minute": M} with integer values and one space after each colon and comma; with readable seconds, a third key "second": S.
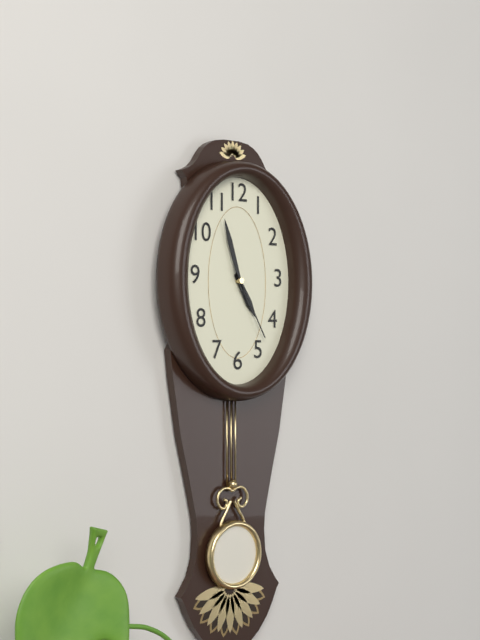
{"hour": 4, "minute": 57, "second": 25}
